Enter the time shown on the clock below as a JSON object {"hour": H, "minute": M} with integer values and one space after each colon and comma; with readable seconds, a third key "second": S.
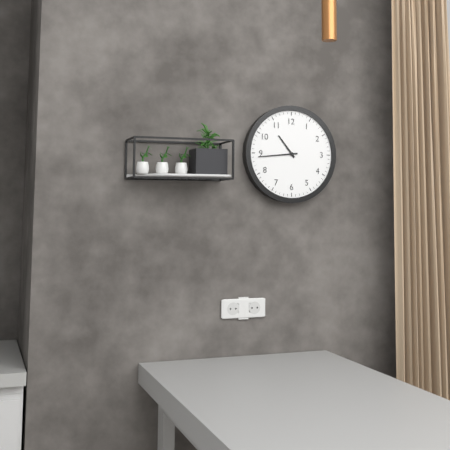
{"hour": 10, "minute": 44}
